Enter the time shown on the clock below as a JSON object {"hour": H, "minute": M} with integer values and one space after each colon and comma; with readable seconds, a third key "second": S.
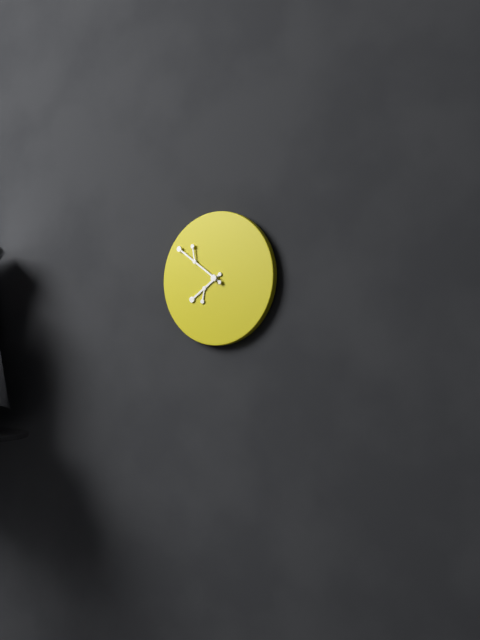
{"hour": 7, "minute": 51}
